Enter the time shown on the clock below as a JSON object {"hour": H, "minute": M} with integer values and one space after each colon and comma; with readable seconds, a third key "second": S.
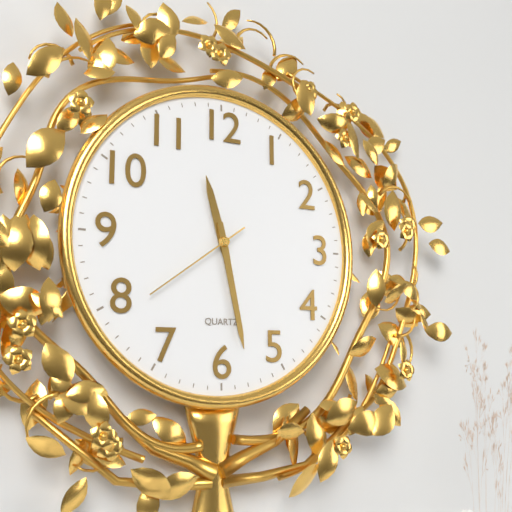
{"hour": 11, "minute": 28, "second": 39}
